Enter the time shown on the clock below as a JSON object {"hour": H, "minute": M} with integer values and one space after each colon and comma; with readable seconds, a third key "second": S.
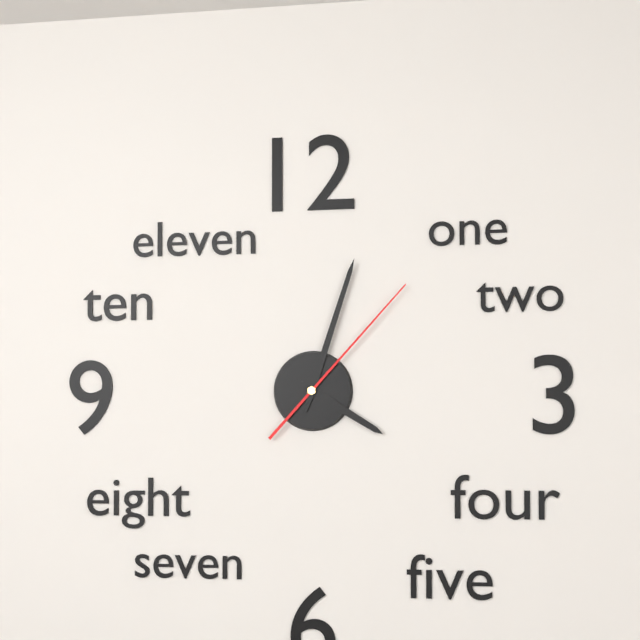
{"hour": 4, "minute": 3, "second": 7}
